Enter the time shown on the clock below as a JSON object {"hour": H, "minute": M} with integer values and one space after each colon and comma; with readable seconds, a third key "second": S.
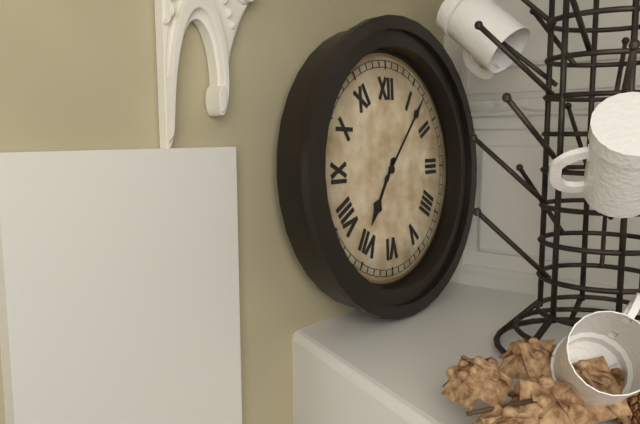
{"hour": 7, "minute": 7}
